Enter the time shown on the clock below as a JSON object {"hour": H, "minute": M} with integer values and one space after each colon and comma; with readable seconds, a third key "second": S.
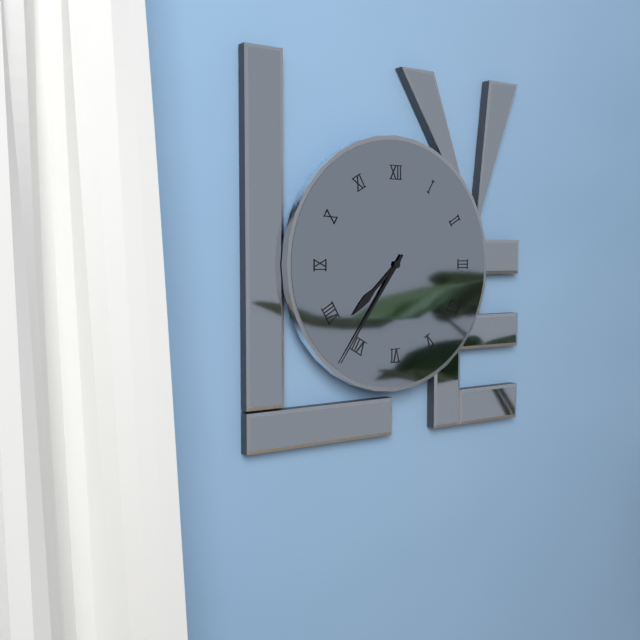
{"hour": 7, "minute": 36}
